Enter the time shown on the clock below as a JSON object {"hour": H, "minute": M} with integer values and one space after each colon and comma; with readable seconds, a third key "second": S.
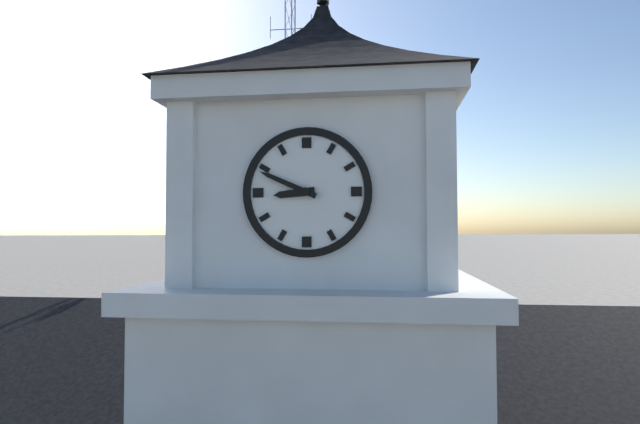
{"hour": 8, "minute": 49}
